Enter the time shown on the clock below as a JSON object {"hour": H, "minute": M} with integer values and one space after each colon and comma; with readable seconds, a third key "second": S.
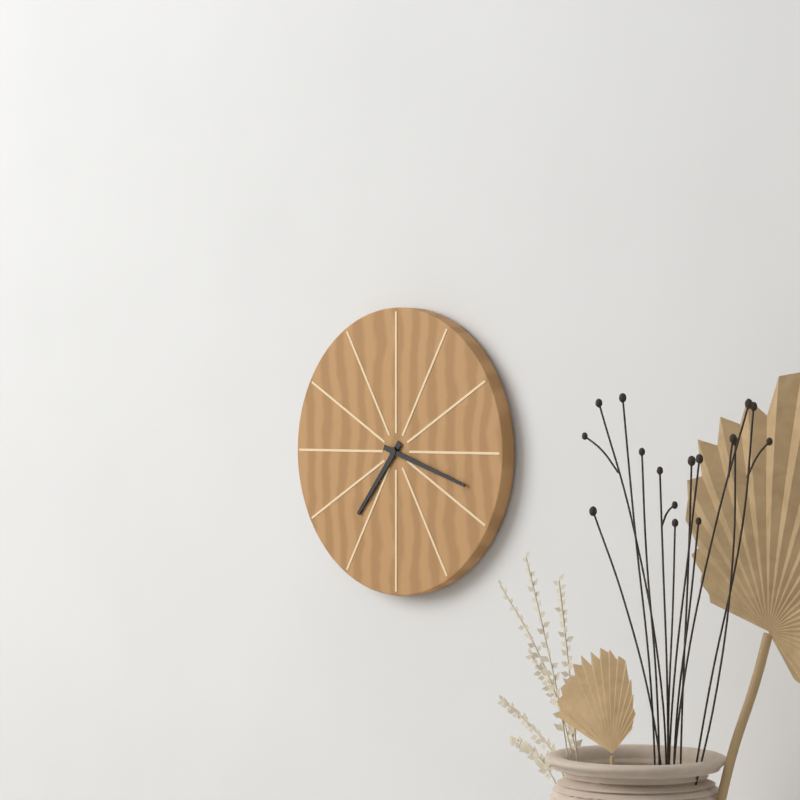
{"hour": 7, "minute": 18}
